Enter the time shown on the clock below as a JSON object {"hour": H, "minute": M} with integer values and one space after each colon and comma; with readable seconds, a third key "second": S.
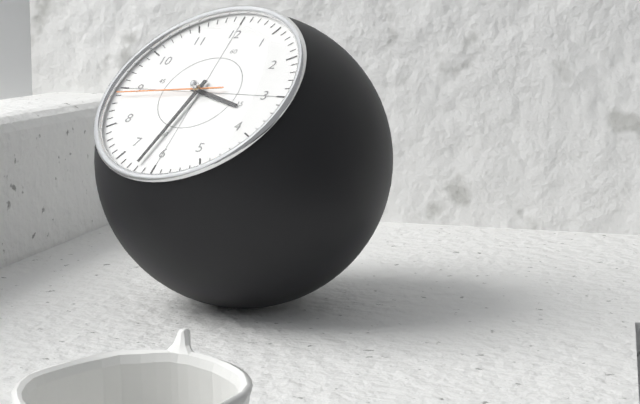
{"hour": 3, "minute": 32, "second": 44}
